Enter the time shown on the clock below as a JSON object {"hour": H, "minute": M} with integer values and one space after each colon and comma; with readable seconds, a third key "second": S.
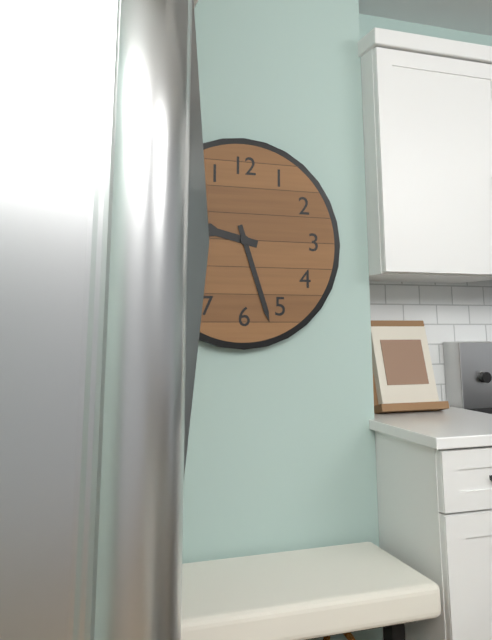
{"hour": 9, "minute": 27}
